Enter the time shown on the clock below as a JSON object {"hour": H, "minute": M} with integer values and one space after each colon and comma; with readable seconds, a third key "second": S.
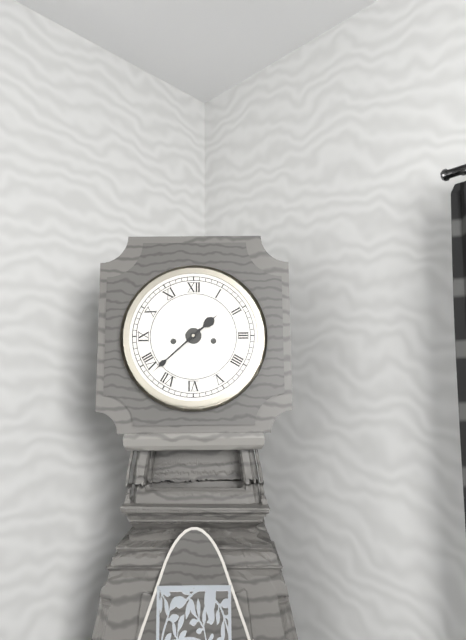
{"hour": 1, "minute": 38}
